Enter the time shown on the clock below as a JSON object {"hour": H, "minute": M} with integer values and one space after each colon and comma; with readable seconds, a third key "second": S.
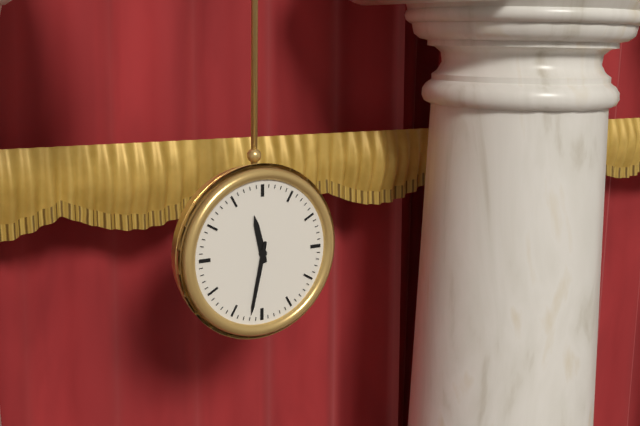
{"hour": 11, "minute": 32}
